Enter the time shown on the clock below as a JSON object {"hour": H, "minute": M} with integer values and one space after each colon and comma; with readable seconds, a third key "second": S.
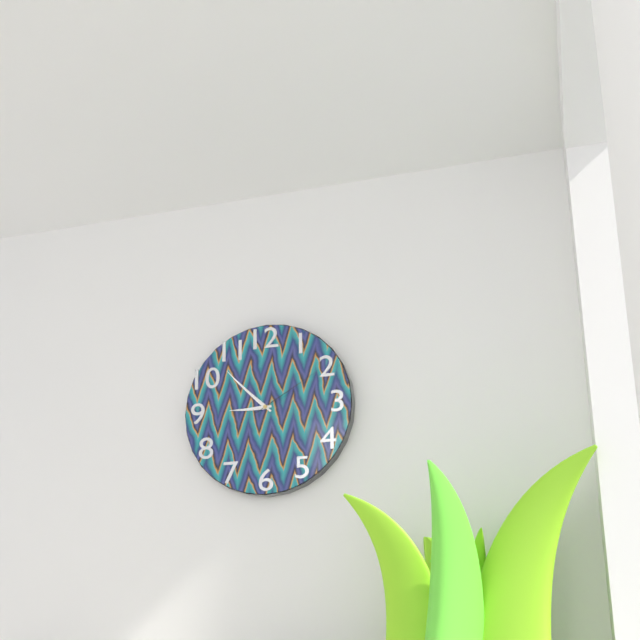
{"hour": 8, "minute": 52, "second": 10}
